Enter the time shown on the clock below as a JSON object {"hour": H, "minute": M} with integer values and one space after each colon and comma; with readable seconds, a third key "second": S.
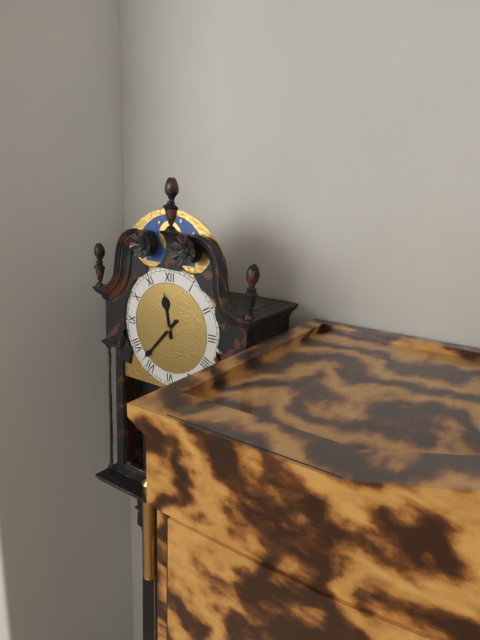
{"hour": 11, "minute": 37}
